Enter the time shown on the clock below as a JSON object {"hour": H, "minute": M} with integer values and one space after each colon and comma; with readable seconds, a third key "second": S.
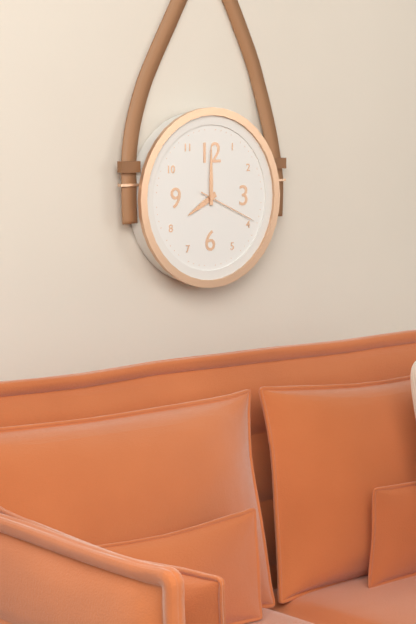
{"hour": 8, "minute": 0, "second": 19}
